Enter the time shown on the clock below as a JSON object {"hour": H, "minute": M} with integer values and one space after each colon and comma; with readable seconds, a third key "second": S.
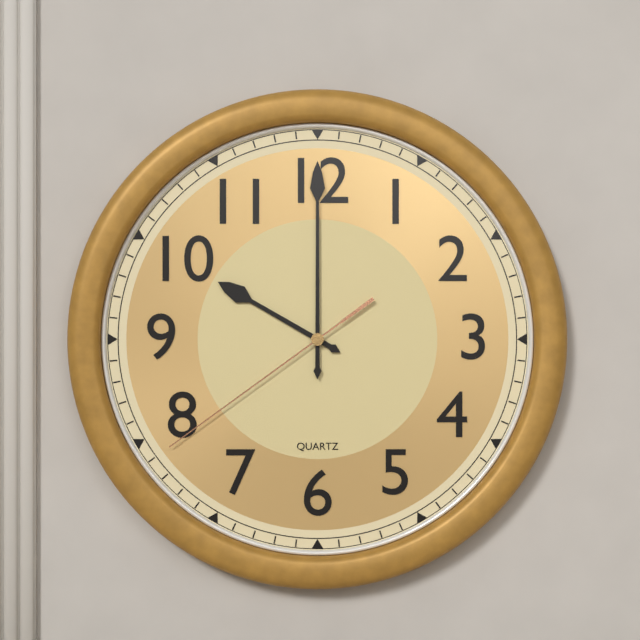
{"hour": 10, "minute": 0, "second": 39}
